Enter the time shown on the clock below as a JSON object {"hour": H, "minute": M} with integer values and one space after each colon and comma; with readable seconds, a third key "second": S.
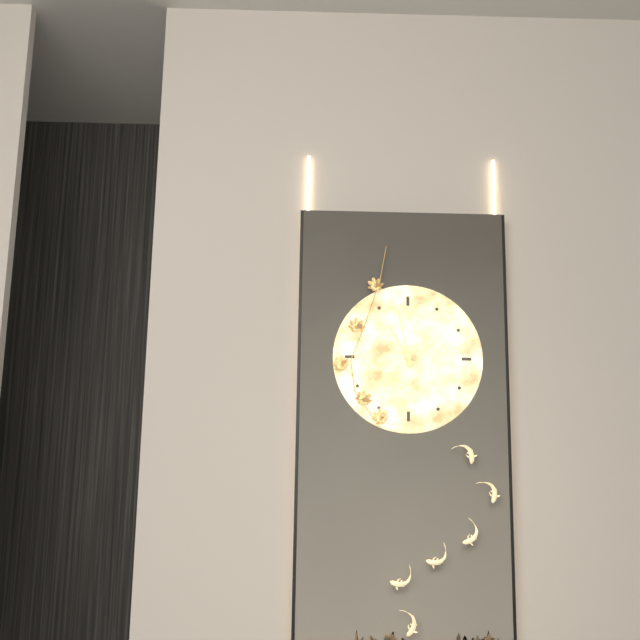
{"hour": 10, "minute": 58}
